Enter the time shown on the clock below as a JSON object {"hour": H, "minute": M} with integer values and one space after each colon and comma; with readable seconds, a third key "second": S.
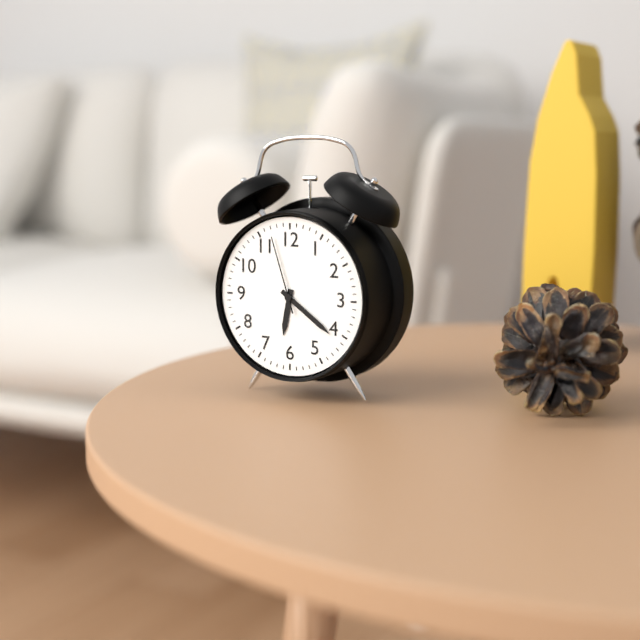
{"hour": 6, "minute": 21, "second": 57}
